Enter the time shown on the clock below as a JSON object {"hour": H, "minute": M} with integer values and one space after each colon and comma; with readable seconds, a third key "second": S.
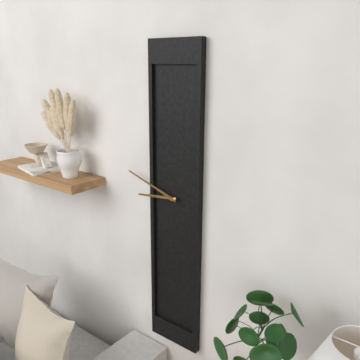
{"hour": 8, "minute": 48}
